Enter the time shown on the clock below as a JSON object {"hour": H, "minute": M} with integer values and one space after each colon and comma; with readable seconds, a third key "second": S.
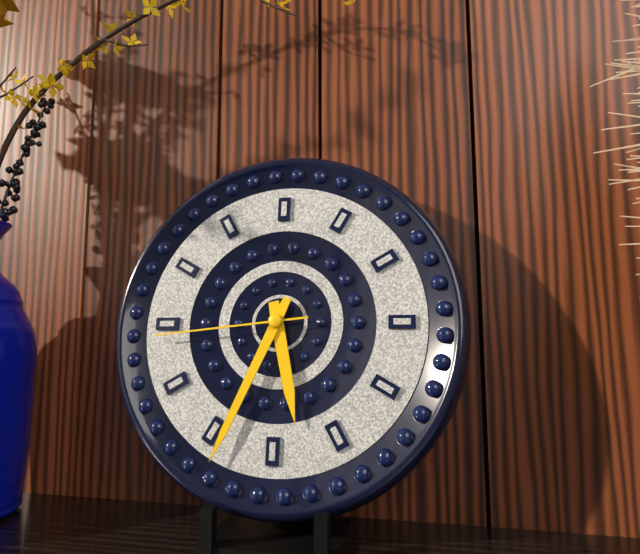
{"hour": 5, "minute": 34, "second": 44}
